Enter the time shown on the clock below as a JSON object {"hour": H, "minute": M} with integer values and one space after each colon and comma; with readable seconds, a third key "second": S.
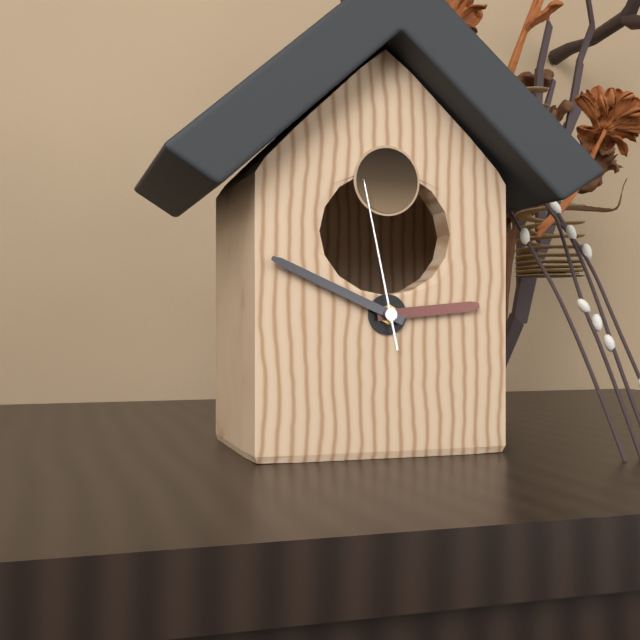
{"hour": 2, "minute": 49, "second": 58}
